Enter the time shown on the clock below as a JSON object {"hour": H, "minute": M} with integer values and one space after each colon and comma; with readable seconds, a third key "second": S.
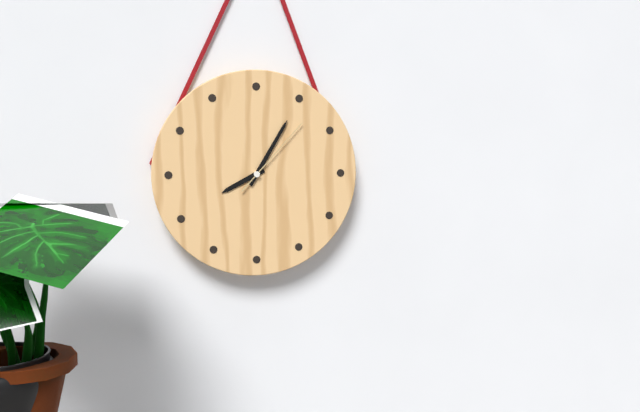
{"hour": 8, "minute": 5, "second": 7}
